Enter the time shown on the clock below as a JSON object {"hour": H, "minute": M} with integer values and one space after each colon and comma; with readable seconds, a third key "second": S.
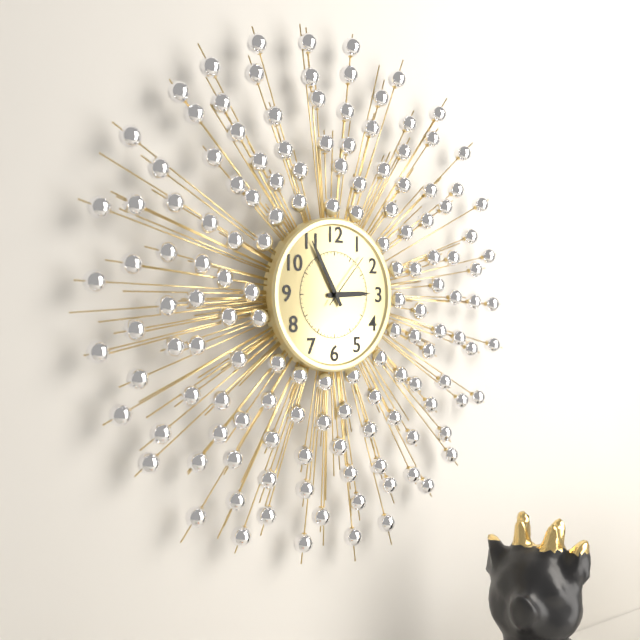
{"hour": 2, "minute": 55, "second": 7}
